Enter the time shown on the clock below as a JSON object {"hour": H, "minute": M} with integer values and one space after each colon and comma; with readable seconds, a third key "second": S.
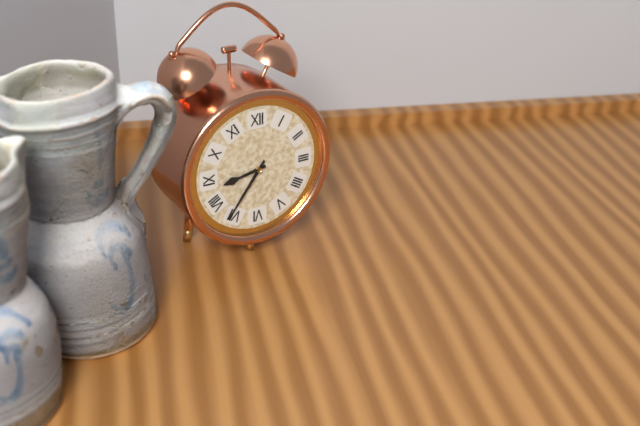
{"hour": 8, "minute": 36}
